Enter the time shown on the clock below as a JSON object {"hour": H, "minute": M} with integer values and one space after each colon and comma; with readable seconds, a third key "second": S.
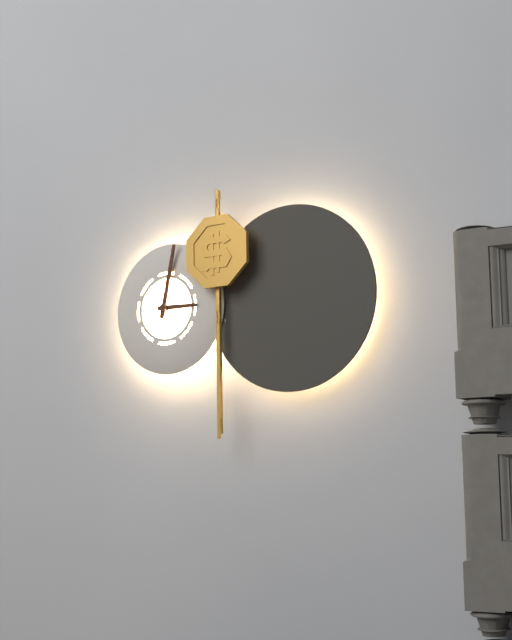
{"hour": 3, "minute": 2}
